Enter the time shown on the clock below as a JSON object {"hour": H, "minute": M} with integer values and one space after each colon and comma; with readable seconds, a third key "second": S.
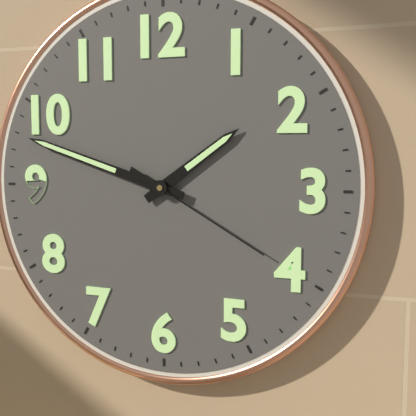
{"hour": 1, "minute": 48, "second": 20}
